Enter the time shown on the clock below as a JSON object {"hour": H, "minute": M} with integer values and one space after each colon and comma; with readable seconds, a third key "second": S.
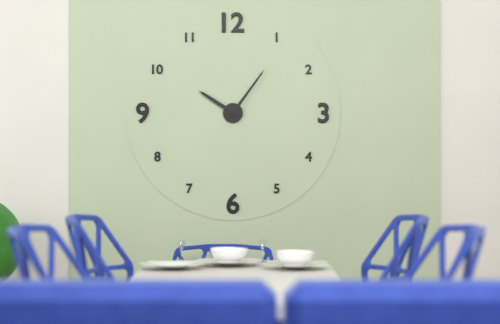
{"hour": 10, "minute": 6}
